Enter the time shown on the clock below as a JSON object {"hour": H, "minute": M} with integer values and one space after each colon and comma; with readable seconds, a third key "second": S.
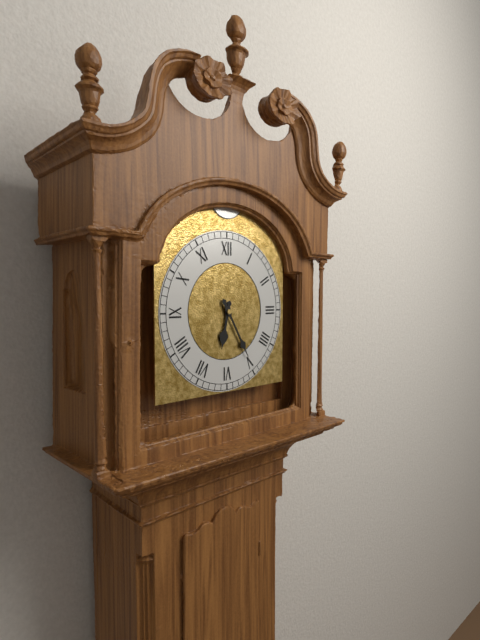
{"hour": 6, "minute": 25}
